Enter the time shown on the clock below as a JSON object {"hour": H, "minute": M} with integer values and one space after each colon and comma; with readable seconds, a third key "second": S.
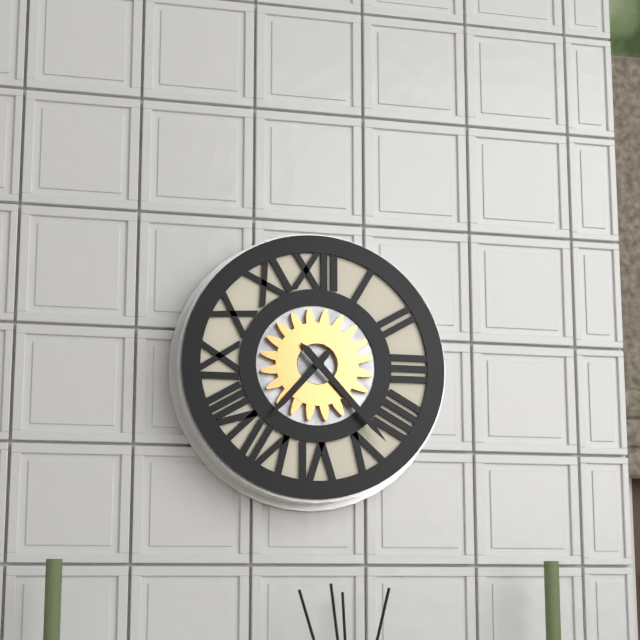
{"hour": 7, "minute": 23}
